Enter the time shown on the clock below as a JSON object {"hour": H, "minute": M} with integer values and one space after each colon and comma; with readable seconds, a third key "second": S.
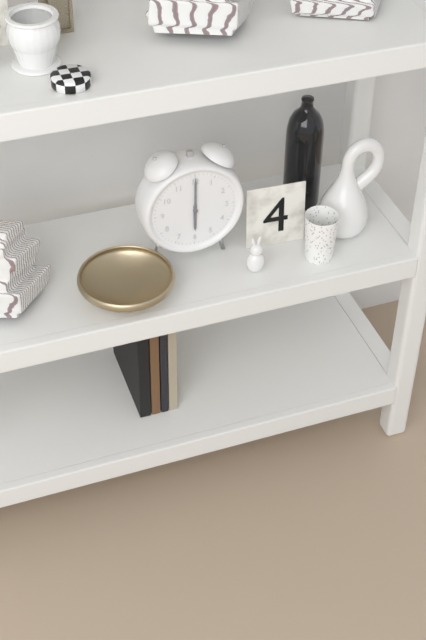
{"hour": 6, "minute": 0}
